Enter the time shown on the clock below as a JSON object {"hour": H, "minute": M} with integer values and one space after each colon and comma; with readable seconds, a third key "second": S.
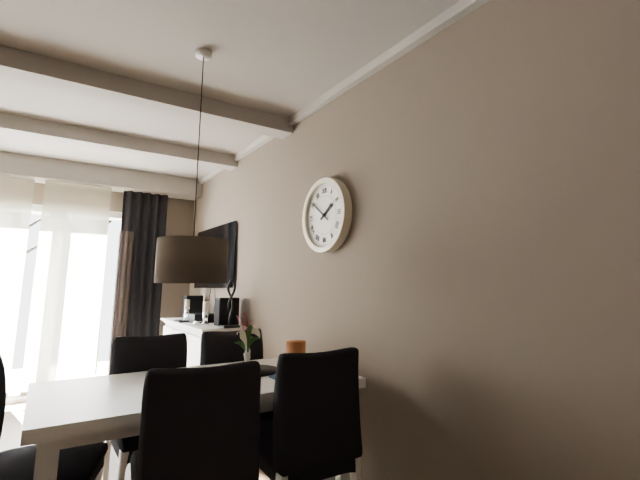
{"hour": 1, "minute": 51}
